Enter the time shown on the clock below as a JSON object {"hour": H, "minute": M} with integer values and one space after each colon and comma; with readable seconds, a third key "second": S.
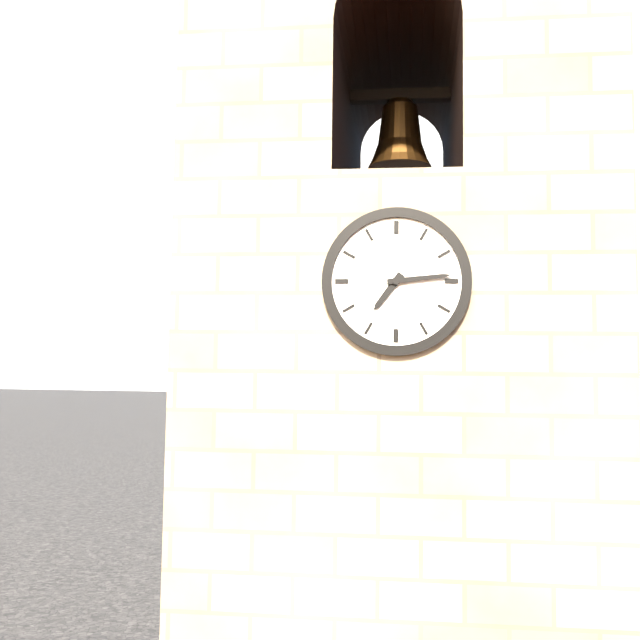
{"hour": 7, "minute": 14}
